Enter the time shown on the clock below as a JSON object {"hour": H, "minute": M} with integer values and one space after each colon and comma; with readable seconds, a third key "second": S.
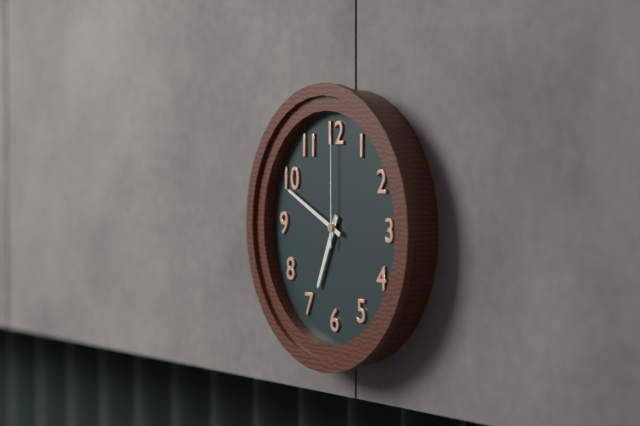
{"hour": 6, "minute": 49, "second": 0}
